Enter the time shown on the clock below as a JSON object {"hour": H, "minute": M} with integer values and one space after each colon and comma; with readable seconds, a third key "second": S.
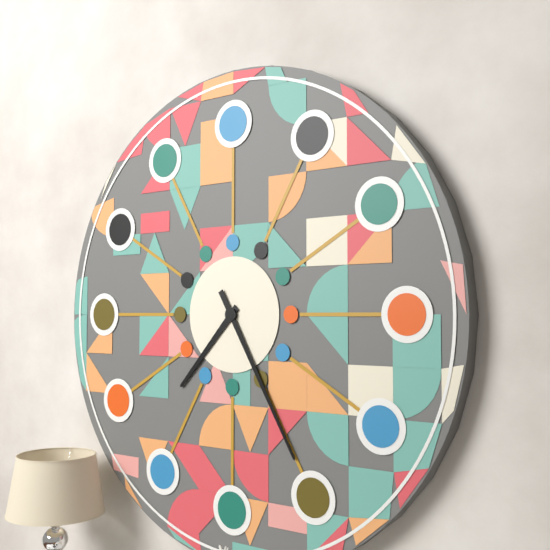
{"hour": 7, "minute": 25}
